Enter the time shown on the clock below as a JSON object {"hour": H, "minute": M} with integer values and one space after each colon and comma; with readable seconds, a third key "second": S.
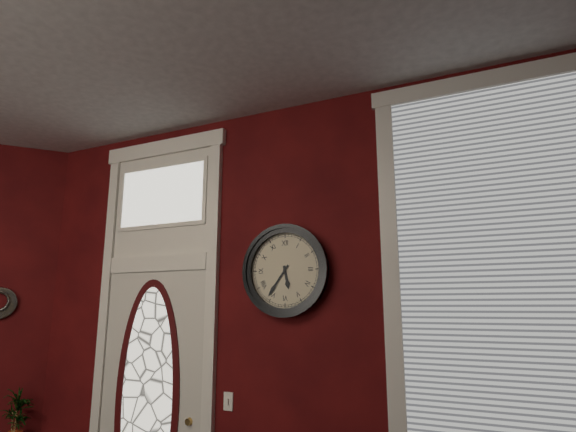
{"hour": 5, "minute": 36}
